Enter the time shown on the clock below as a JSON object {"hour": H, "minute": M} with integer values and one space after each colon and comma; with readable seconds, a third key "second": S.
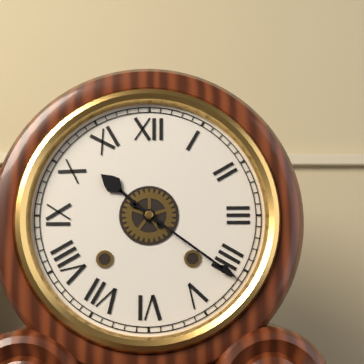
{"hour": 10, "minute": 21}
